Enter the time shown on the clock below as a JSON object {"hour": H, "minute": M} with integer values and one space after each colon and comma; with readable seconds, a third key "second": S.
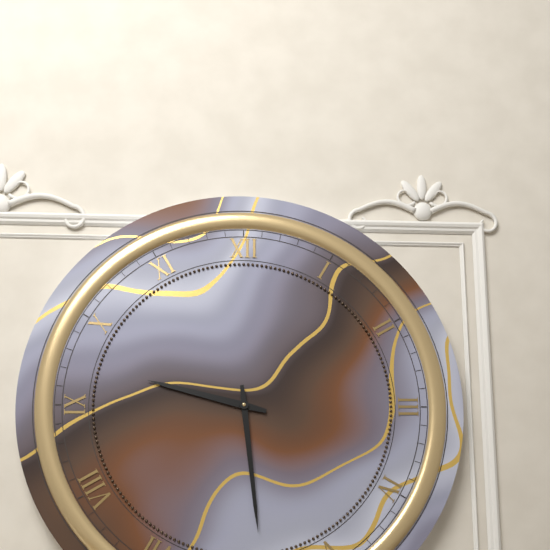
{"hour": 9, "minute": 29}
